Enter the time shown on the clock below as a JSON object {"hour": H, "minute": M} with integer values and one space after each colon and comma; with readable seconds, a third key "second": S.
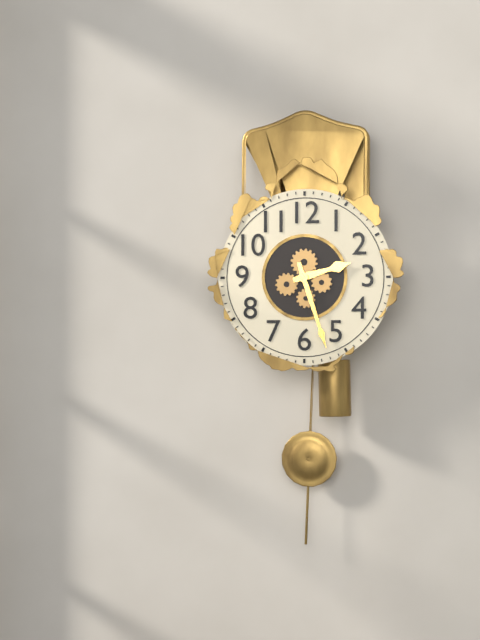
{"hour": 2, "minute": 27}
